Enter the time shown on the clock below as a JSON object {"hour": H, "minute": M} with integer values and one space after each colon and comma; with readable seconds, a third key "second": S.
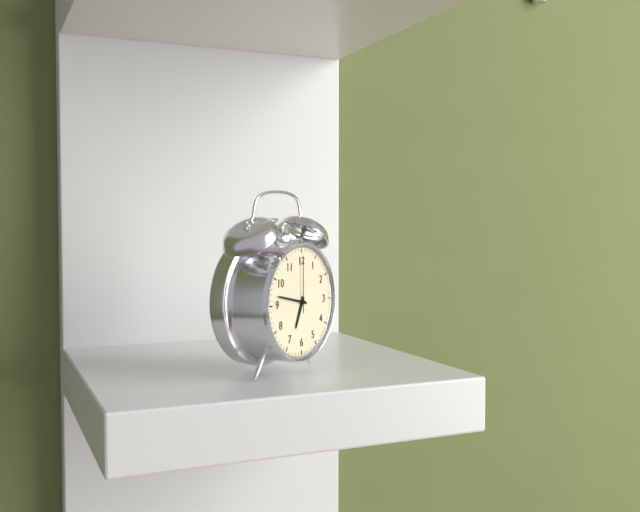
{"hour": 6, "minute": 47, "second": 0}
